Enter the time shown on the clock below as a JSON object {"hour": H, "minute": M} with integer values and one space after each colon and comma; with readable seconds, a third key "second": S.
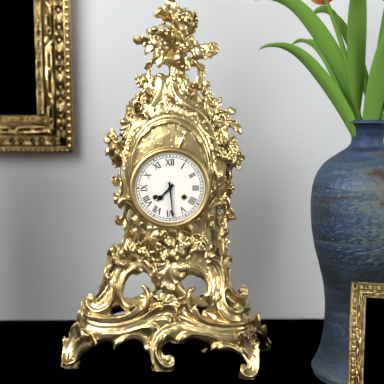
{"hour": 7, "minute": 29}
